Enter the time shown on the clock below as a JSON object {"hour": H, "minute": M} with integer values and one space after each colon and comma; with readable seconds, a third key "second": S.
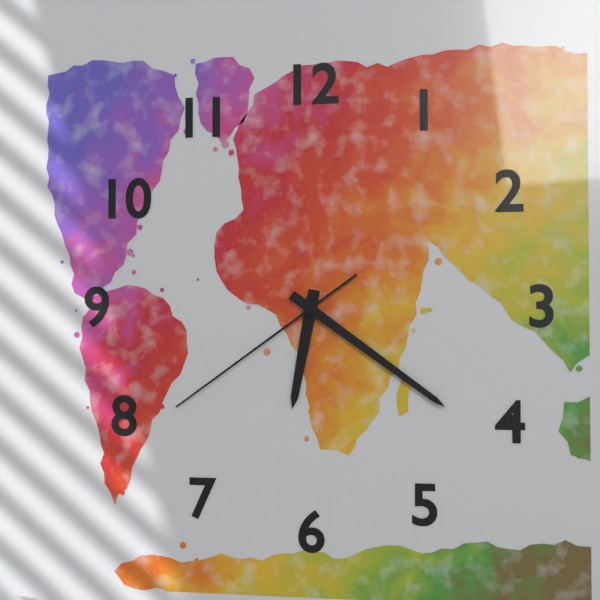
{"hour": 6, "minute": 21, "second": 39}
